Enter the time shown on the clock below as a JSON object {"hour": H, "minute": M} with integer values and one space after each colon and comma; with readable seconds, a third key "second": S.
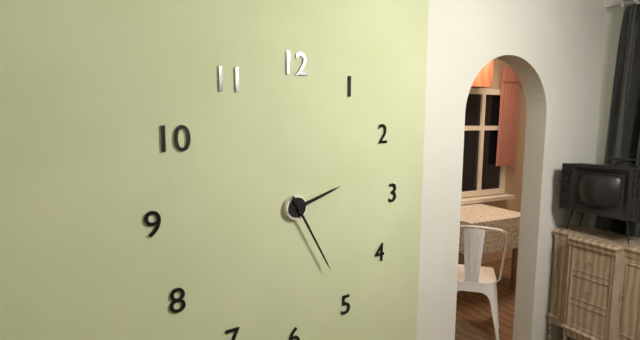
{"hour": 2, "minute": 25}
